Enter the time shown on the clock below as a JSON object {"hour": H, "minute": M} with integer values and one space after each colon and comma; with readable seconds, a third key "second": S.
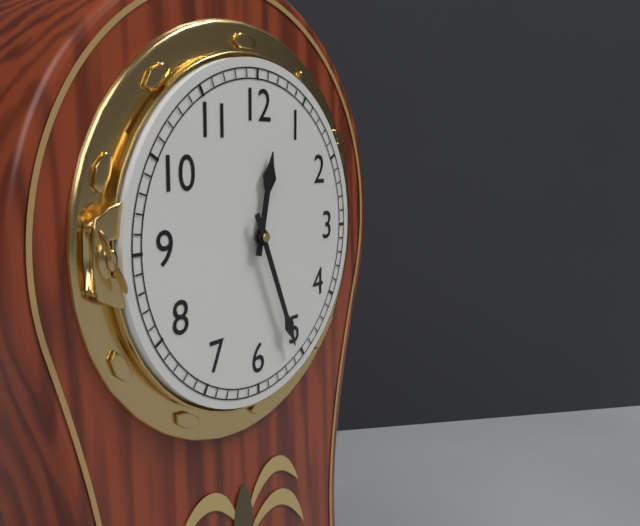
{"hour": 12, "minute": 26}
